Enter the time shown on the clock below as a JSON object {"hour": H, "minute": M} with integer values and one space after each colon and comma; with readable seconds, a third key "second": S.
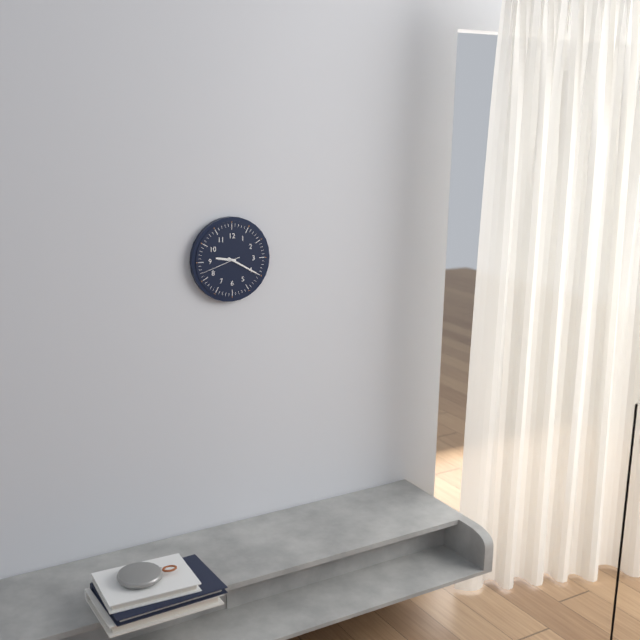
{"hour": 9, "minute": 20}
